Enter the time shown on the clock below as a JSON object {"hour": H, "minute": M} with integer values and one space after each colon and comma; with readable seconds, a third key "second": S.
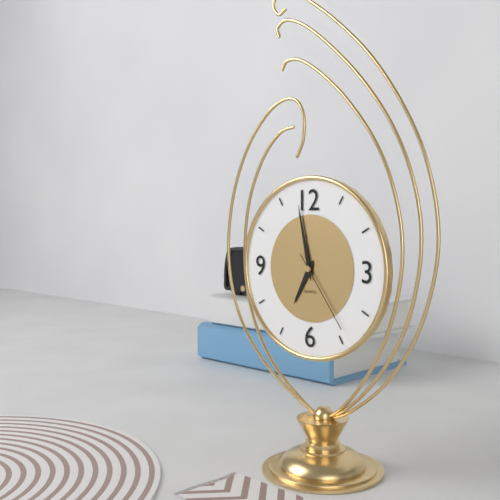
{"hour": 6, "minute": 58, "second": 24}
